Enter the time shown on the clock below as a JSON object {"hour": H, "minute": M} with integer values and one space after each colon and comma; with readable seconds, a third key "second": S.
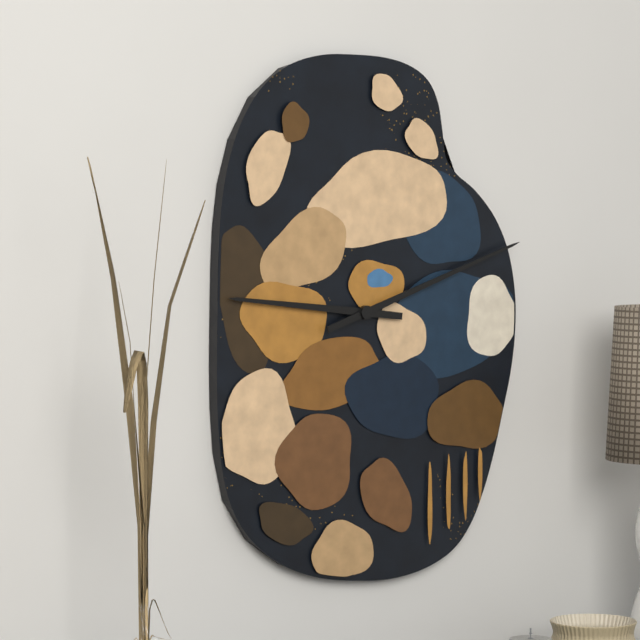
{"hour": 9, "minute": 12}
